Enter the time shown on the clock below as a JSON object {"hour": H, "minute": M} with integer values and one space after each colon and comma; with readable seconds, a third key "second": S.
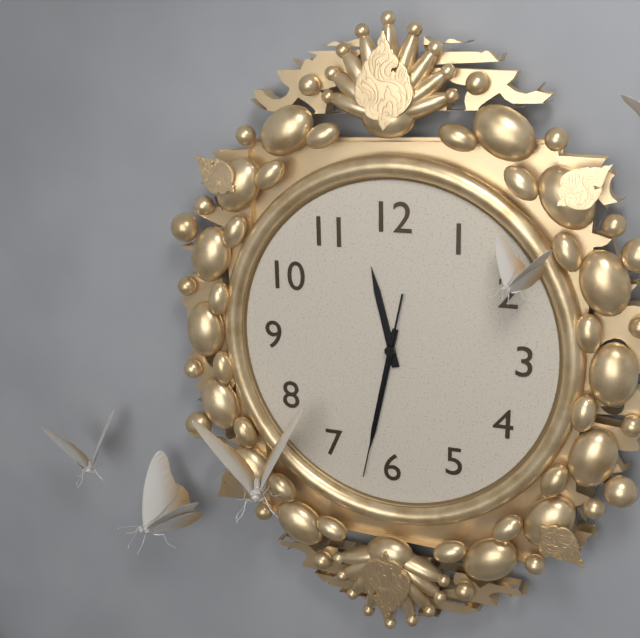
{"hour": 11, "minute": 32, "second": 32}
